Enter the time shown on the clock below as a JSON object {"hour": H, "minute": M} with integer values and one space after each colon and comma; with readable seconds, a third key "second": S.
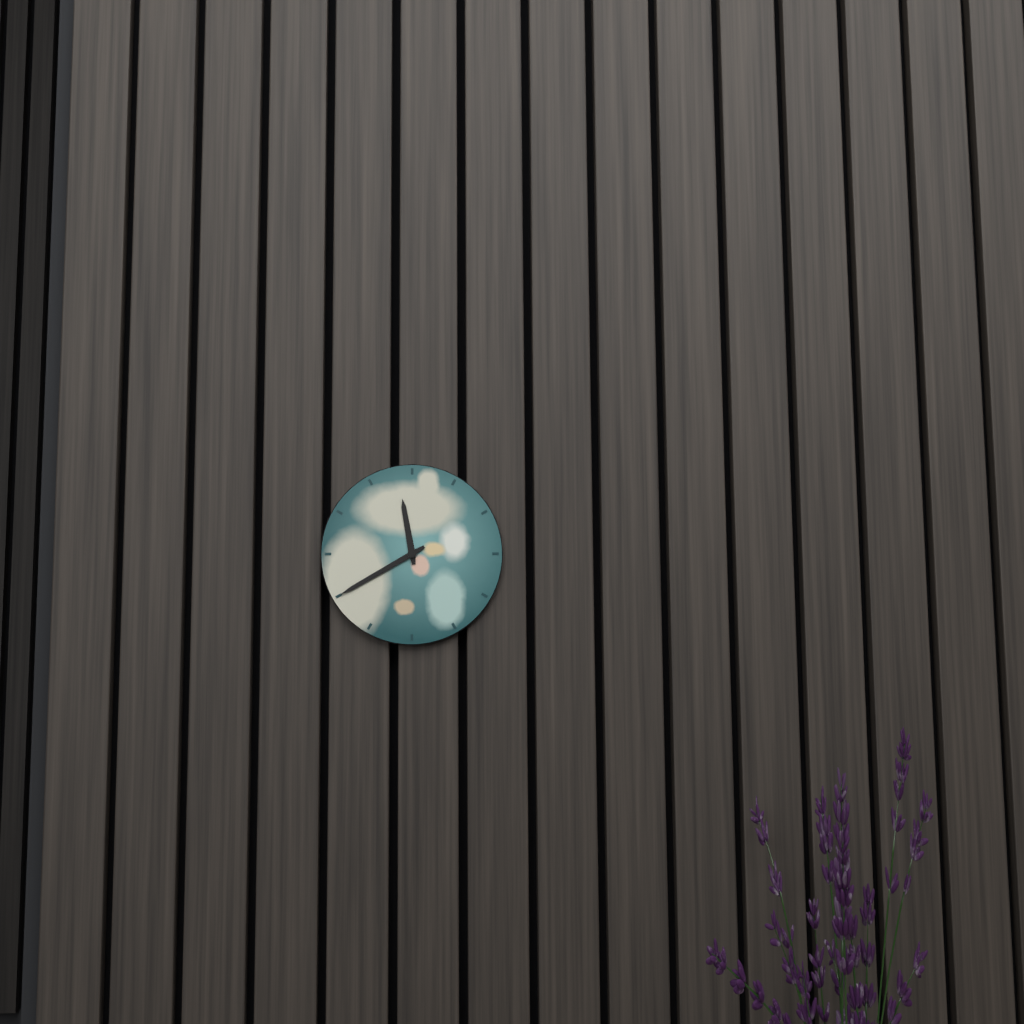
{"hour": 11, "minute": 40}
